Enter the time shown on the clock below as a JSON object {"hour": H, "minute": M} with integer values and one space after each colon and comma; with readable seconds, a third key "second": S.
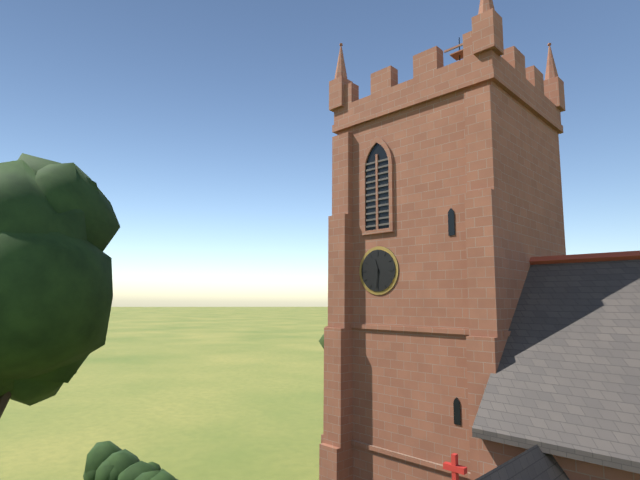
{"hour": 11, "minute": 31}
